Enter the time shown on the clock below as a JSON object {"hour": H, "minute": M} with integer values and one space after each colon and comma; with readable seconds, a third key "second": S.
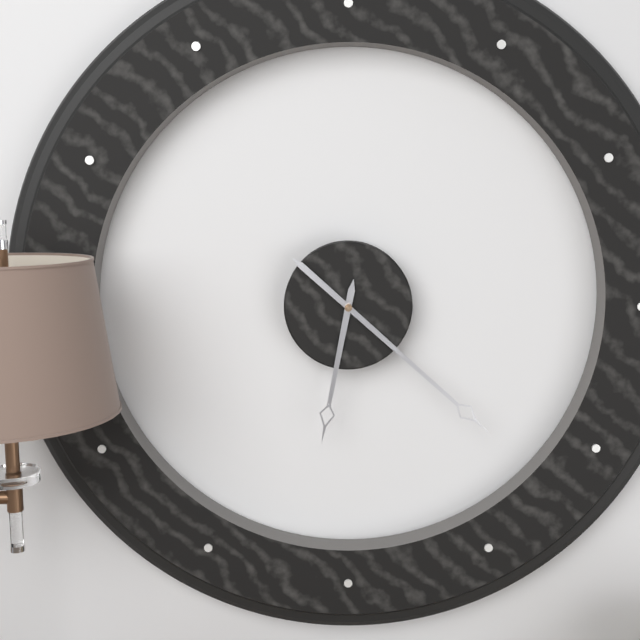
{"hour": 6, "minute": 22}
